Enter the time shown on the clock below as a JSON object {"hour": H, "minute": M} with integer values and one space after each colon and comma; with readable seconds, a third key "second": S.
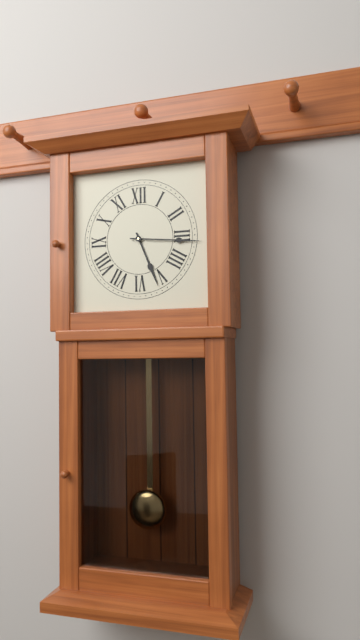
{"hour": 5, "minute": 16}
